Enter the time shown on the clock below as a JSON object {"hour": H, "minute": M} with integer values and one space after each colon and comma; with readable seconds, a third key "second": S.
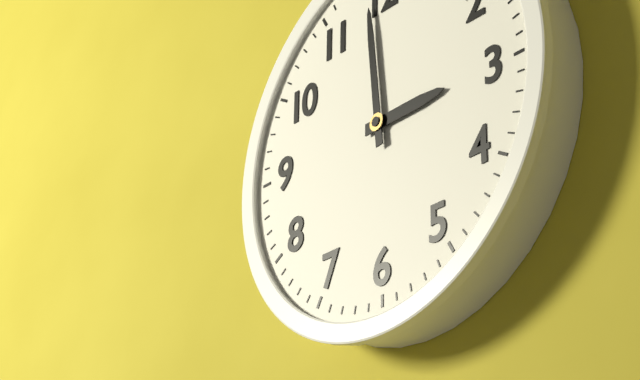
{"hour": 2, "minute": 59}
